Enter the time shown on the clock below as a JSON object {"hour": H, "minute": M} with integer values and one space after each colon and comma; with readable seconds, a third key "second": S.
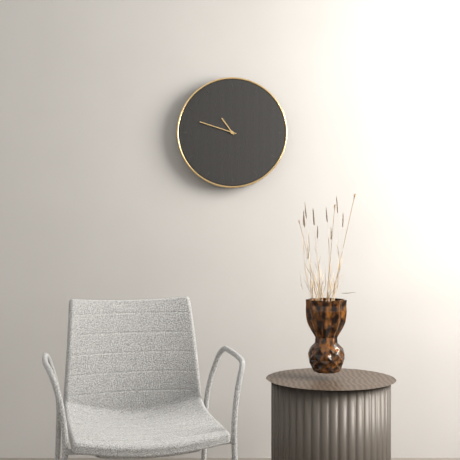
{"hour": 10, "minute": 48}
